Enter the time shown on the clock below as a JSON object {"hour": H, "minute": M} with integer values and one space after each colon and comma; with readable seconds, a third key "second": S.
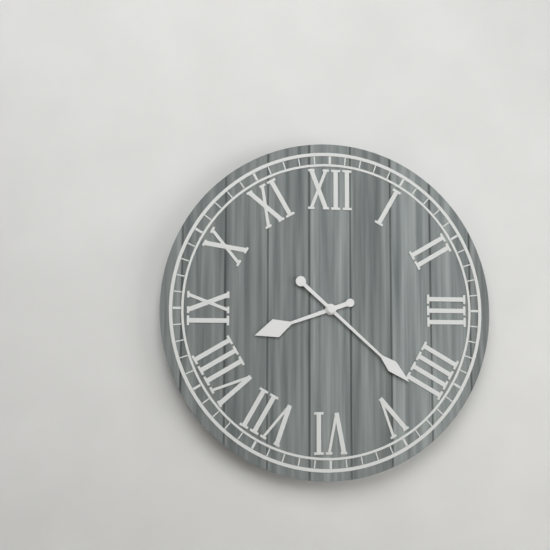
{"hour": 8, "minute": 22}
